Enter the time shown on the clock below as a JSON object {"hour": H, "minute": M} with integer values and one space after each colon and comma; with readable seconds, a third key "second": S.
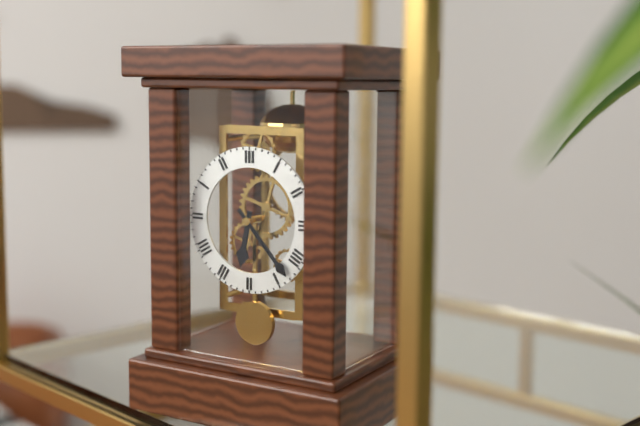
{"hour": 6, "minute": 23}
